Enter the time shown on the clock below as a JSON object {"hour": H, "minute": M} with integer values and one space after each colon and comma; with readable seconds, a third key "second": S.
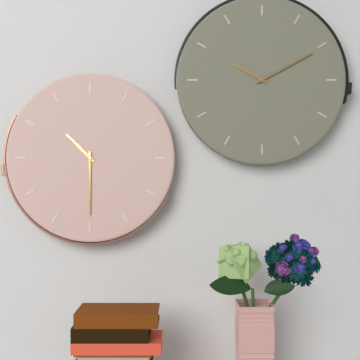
{"hour": 10, "minute": 30}
